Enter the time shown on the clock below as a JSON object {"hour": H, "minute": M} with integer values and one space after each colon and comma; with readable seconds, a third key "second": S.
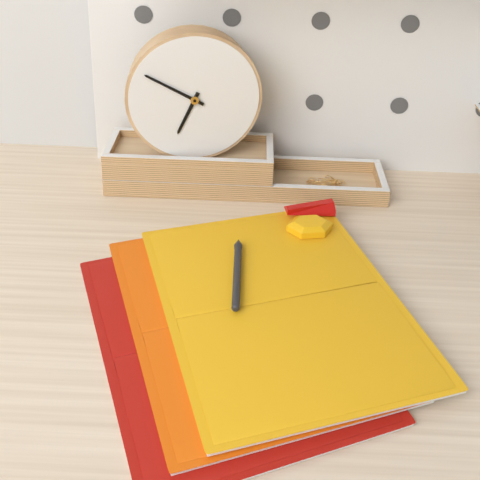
{"hour": 6, "minute": 50}
